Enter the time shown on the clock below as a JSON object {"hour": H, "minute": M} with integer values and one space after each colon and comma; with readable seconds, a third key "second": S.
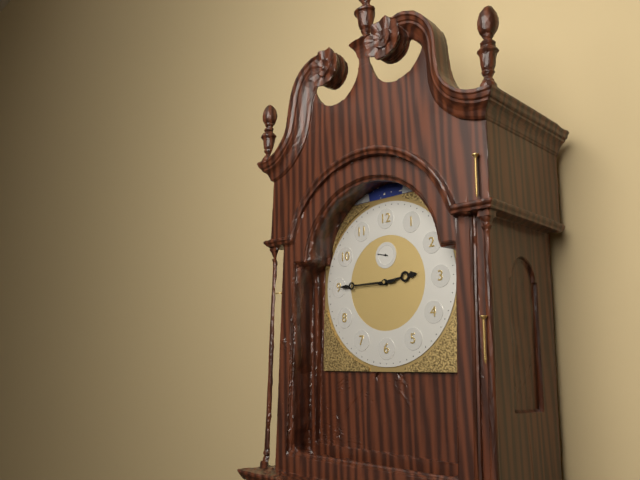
{"hour": 2, "minute": 45}
